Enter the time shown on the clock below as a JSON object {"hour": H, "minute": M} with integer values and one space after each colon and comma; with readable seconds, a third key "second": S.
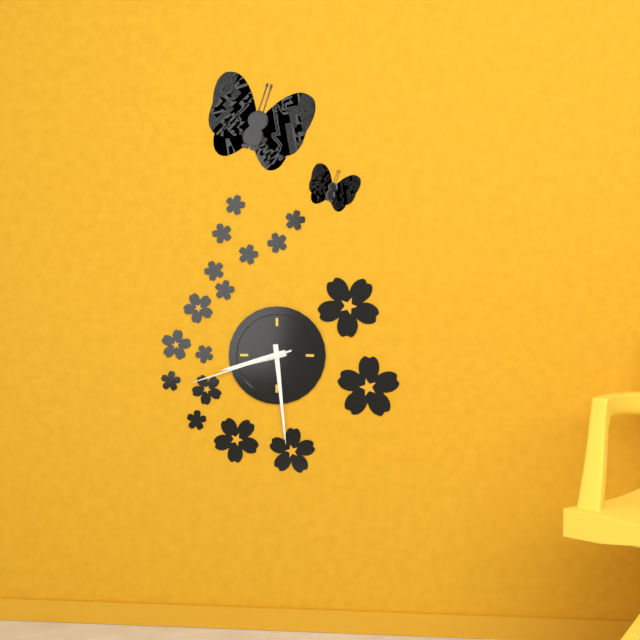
{"hour": 8, "minute": 29, "second": 42}
